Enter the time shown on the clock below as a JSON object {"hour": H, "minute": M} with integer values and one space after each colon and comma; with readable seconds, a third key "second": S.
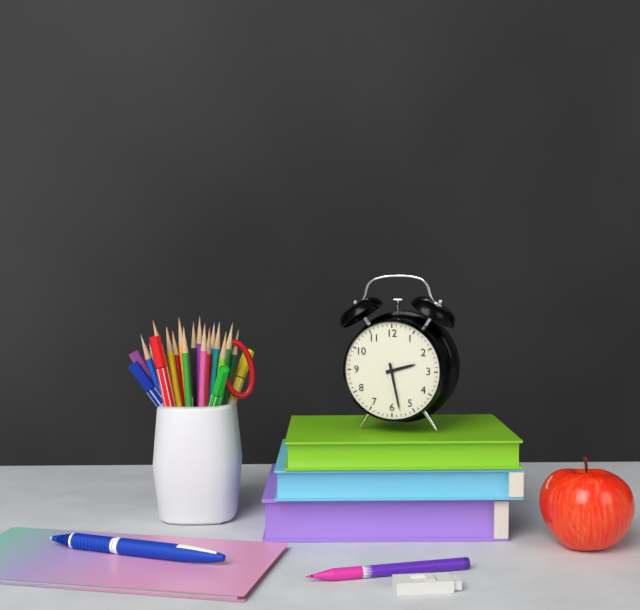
{"hour": 2, "minute": 28}
